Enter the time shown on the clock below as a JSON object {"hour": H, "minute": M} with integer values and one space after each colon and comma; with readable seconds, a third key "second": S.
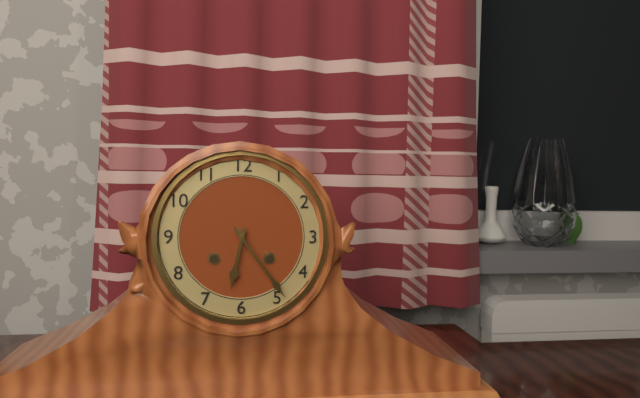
{"hour": 6, "minute": 24}
